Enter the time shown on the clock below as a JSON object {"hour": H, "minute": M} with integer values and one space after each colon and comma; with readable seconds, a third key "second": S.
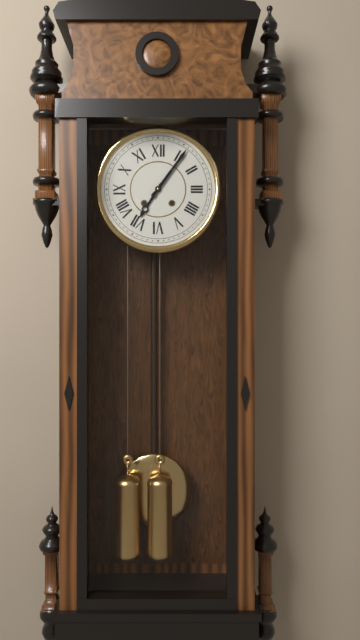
{"hour": 7, "minute": 6}
